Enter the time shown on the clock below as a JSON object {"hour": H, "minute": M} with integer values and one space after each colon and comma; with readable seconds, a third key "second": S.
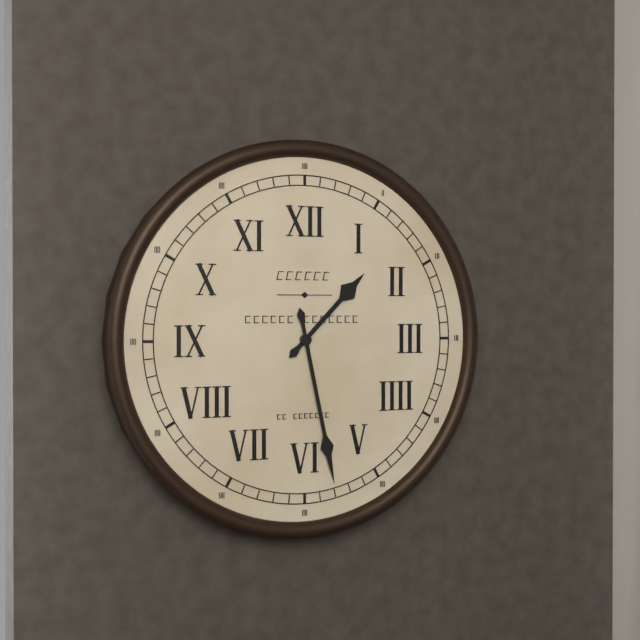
{"hour": 1, "minute": 28}
